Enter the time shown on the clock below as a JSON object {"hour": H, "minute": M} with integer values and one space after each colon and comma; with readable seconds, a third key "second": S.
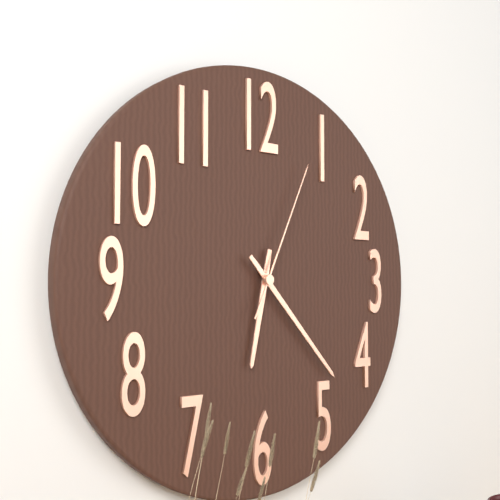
{"hour": 6, "minute": 23, "second": 4}
